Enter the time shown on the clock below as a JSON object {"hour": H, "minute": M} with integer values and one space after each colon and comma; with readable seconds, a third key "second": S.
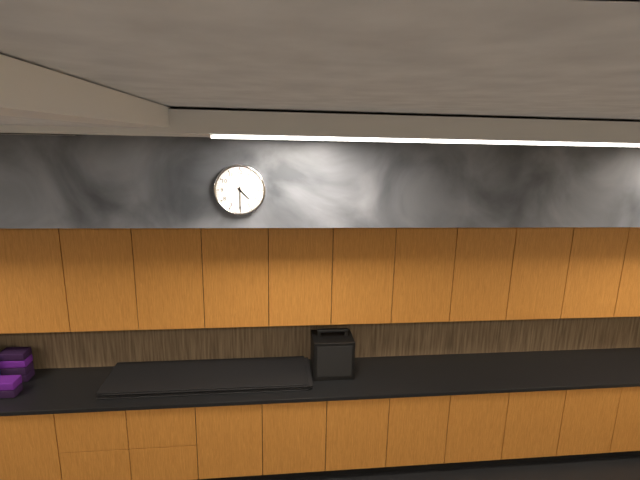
{"hour": 4, "minute": 30}
